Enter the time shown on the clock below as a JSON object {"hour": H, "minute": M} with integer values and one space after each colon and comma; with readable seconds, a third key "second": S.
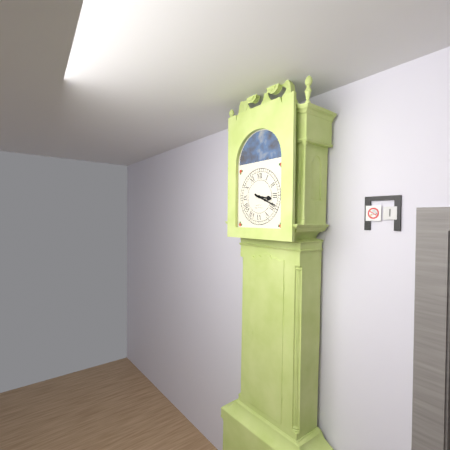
{"hour": 3, "minute": 19}
